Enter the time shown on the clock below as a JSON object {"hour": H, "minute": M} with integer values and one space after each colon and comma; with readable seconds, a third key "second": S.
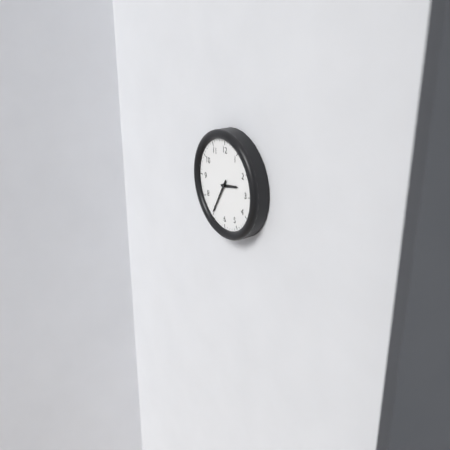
{"hour": 2, "minute": 35}
